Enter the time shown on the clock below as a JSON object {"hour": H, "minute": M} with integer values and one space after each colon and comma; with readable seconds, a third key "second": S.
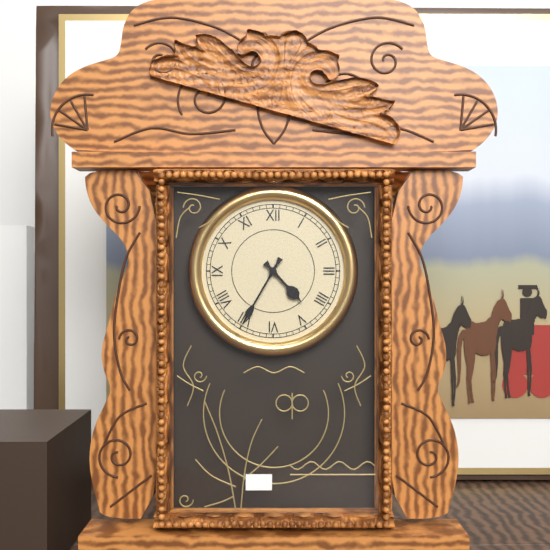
{"hour": 4, "minute": 35}
